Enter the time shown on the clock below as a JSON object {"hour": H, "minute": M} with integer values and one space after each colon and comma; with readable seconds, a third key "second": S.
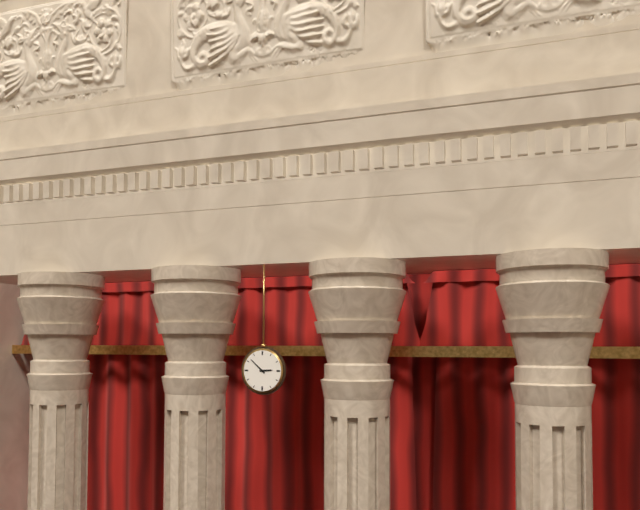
{"hour": 2, "minute": 52}
